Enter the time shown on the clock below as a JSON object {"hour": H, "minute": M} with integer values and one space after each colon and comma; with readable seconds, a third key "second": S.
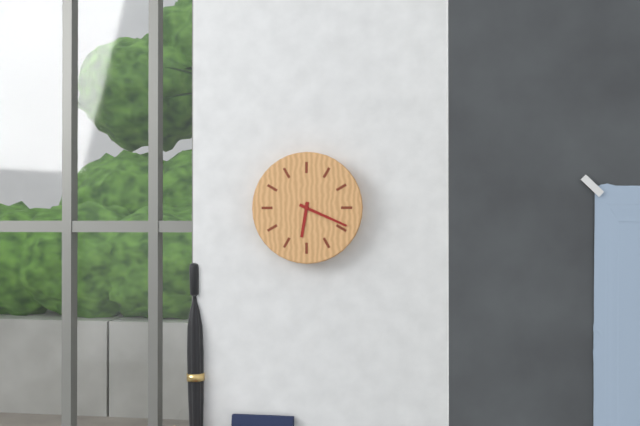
{"hour": 6, "minute": 19}
